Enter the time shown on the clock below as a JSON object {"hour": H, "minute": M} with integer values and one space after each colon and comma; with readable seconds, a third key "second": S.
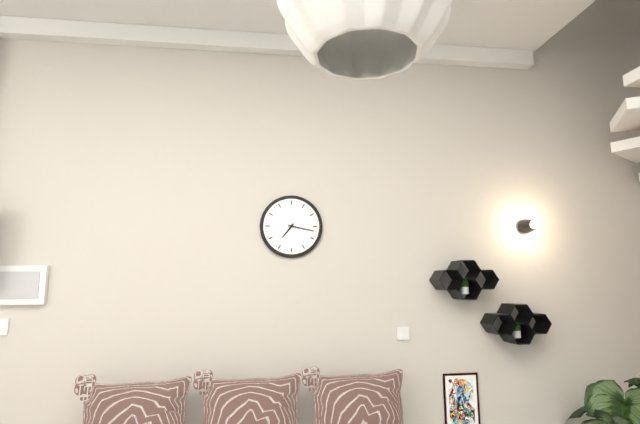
{"hour": 7, "minute": 17}
